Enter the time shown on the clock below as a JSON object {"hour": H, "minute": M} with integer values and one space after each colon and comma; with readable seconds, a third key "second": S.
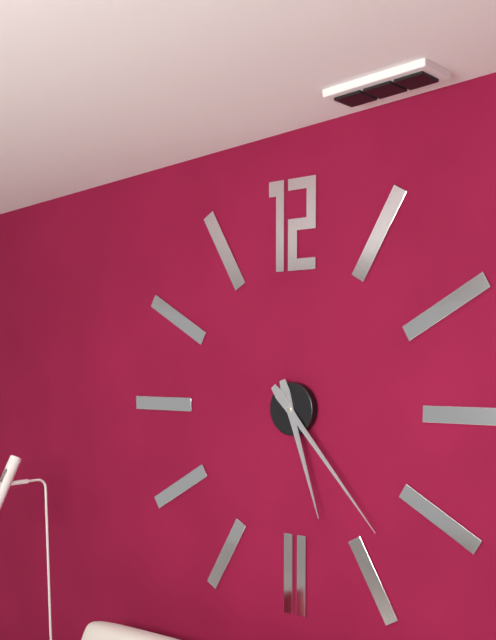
{"hour": 5, "minute": 23}
